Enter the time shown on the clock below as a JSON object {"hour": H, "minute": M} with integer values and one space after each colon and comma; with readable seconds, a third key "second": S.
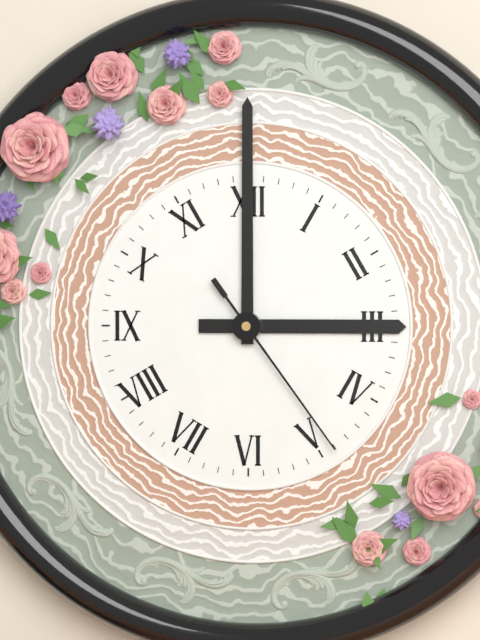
{"hour": 3, "minute": 0, "second": 24}
